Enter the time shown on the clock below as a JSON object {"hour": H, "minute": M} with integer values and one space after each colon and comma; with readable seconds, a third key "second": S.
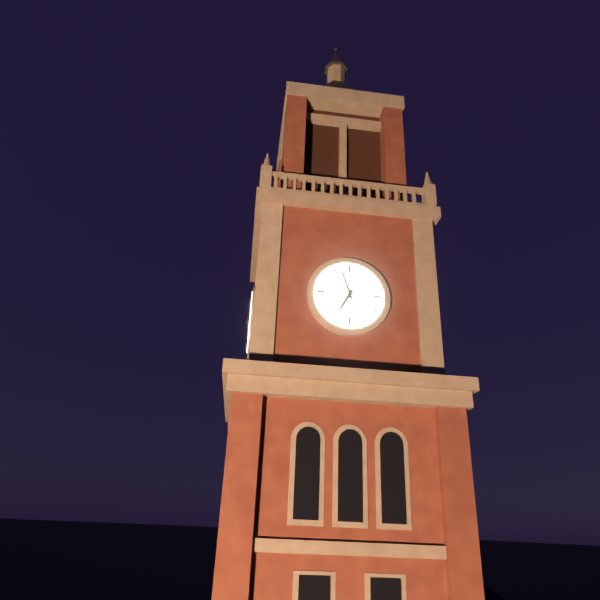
{"hour": 6, "minute": 57}
